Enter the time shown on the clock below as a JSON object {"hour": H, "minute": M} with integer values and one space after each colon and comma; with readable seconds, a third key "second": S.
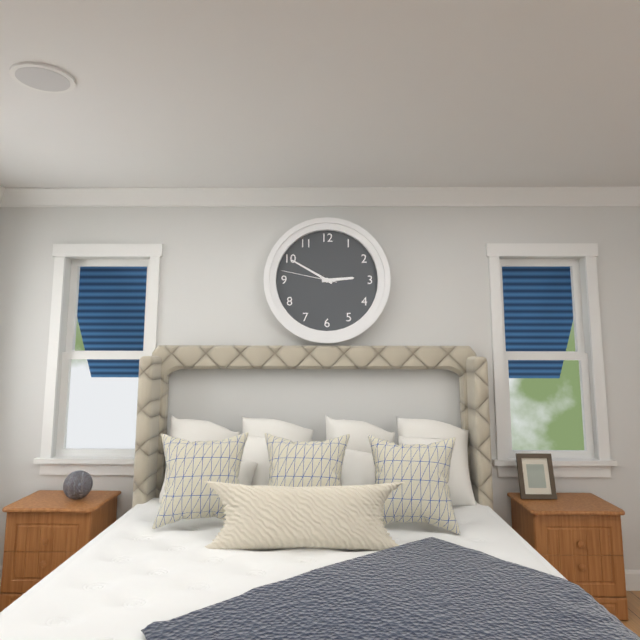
{"hour": 2, "minute": 50, "second": 47}
